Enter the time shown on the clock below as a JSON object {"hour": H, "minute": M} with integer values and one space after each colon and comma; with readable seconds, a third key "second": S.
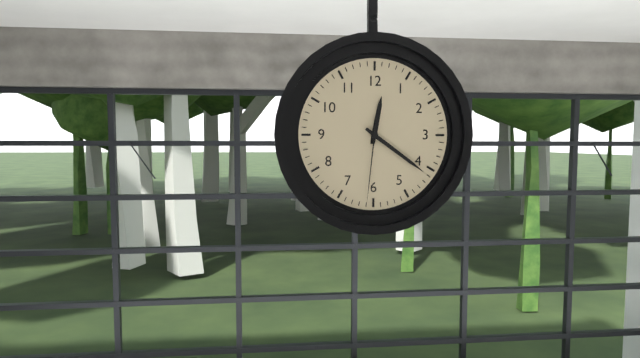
{"hour": 12, "minute": 21, "second": 31}
